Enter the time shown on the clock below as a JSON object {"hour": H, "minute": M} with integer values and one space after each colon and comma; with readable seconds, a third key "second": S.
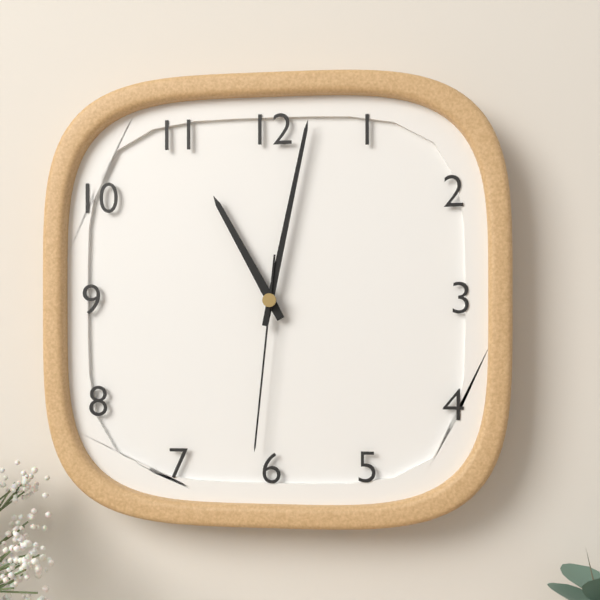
{"hour": 11, "minute": 2, "second": 31}
